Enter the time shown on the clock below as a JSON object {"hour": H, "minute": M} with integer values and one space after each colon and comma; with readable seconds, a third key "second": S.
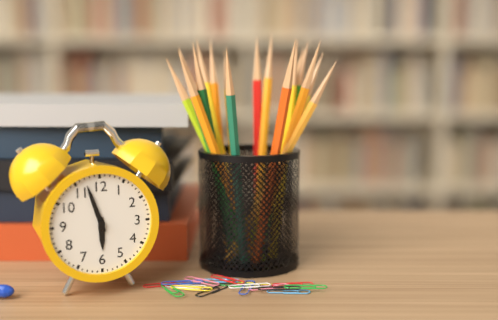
{"hour": 5, "minute": 57}
